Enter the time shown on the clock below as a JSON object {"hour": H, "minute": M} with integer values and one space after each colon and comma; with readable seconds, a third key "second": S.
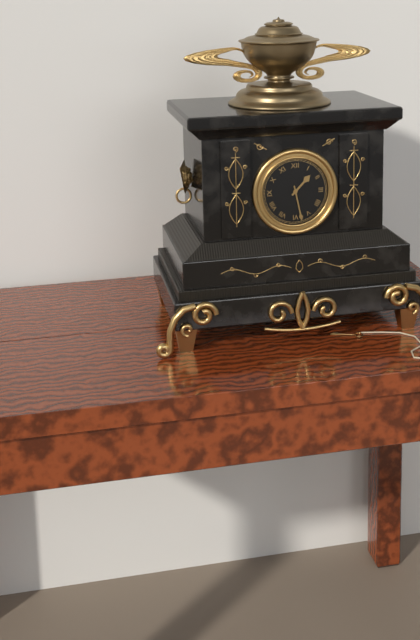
{"hour": 1, "minute": 28}
